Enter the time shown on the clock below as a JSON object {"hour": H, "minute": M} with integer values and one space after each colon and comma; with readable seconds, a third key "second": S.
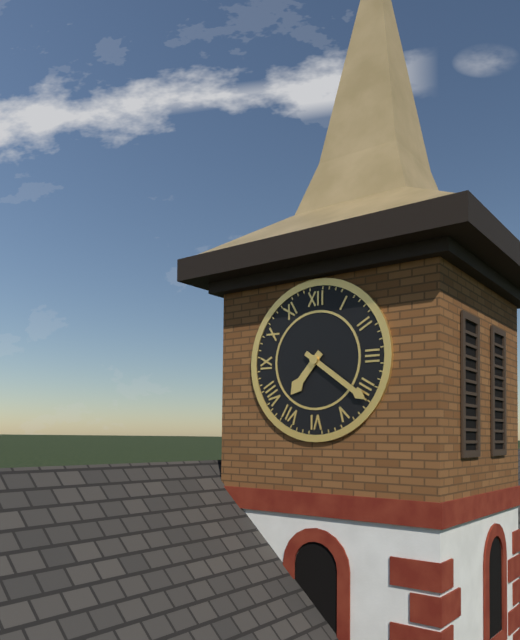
{"hour": 7, "minute": 21}
